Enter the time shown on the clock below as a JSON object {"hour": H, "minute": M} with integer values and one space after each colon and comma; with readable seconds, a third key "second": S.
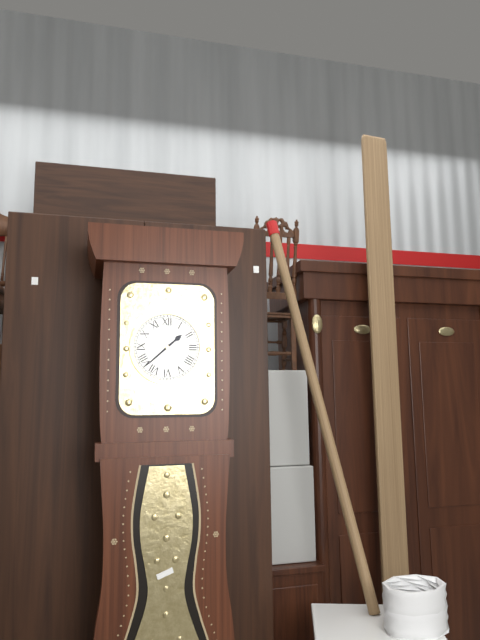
{"hour": 1, "minute": 38}
